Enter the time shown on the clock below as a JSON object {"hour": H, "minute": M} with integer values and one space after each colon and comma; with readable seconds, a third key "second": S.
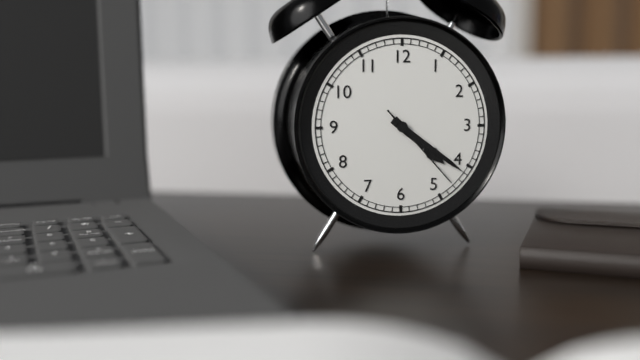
{"hour": 4, "minute": 21, "second": 23}
